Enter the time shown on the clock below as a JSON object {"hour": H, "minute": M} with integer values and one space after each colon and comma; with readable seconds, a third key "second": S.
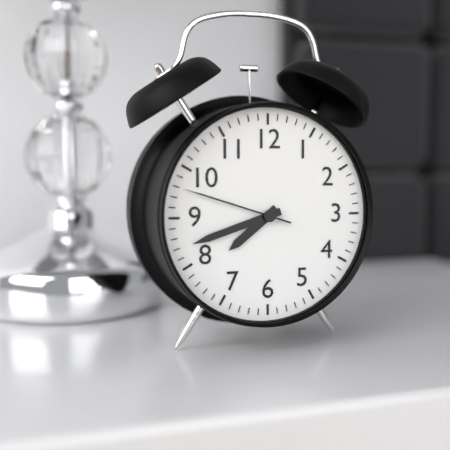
{"hour": 7, "minute": 42, "second": 48}
